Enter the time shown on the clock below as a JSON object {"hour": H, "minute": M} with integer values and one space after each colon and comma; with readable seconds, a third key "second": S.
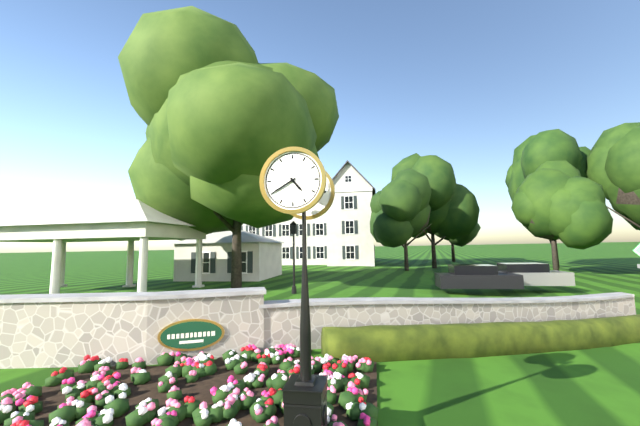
{"hour": 4, "minute": 40}
